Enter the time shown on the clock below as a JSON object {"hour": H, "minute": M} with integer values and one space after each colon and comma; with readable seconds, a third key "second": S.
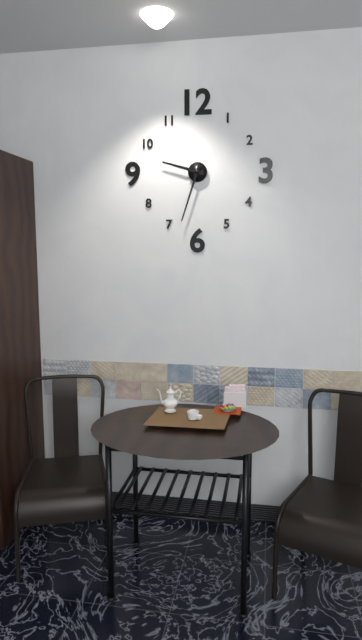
{"hour": 9, "minute": 33}
